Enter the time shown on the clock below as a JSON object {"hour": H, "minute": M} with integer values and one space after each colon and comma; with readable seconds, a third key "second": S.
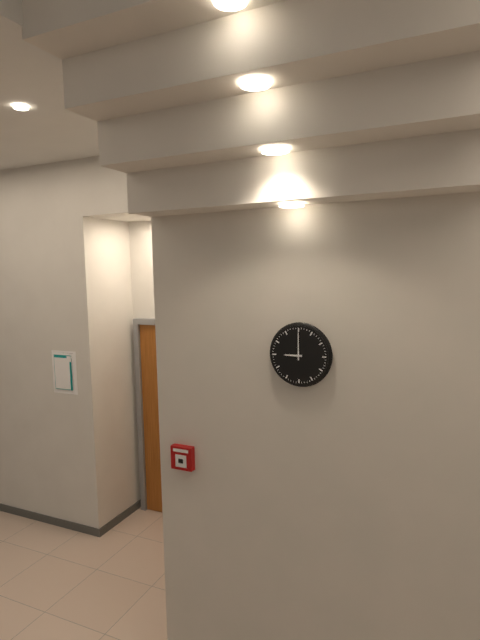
{"hour": 9, "minute": 0}
